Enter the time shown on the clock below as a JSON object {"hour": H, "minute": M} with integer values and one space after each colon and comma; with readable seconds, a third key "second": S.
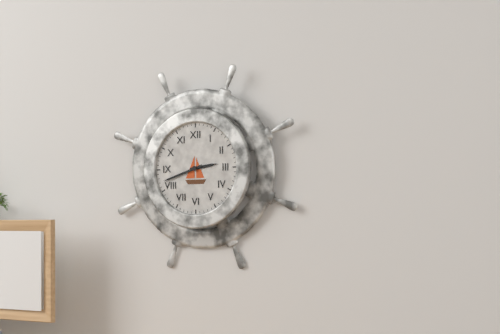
{"hour": 2, "minute": 42}
